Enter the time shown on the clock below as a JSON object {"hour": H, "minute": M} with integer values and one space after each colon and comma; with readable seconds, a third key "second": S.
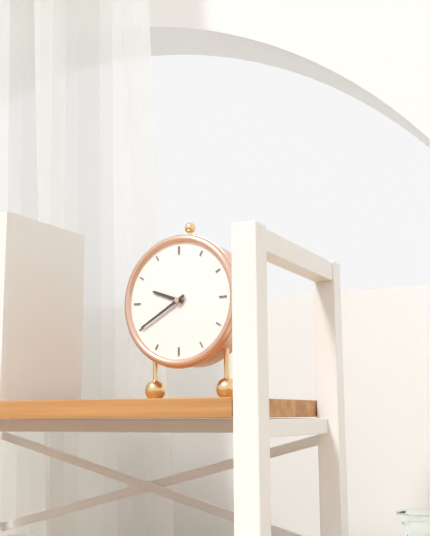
{"hour": 9, "minute": 40}
